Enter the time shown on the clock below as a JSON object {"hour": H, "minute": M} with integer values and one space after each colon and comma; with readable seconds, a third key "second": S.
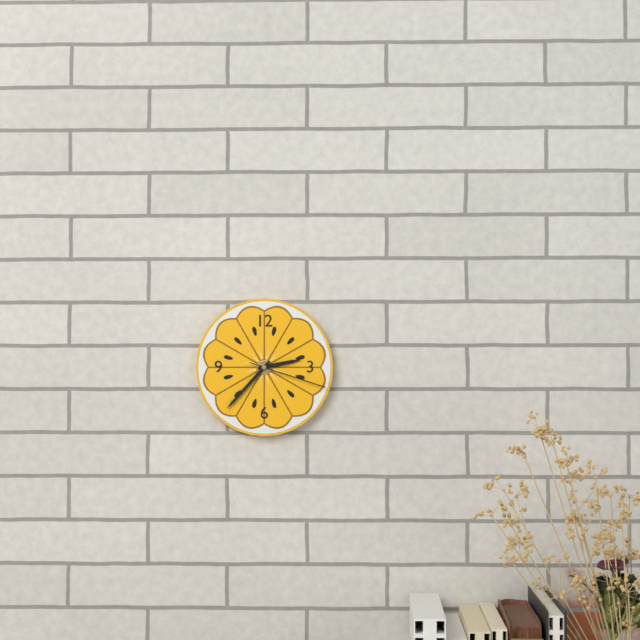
{"hour": 2, "minute": 37, "second": 18}
